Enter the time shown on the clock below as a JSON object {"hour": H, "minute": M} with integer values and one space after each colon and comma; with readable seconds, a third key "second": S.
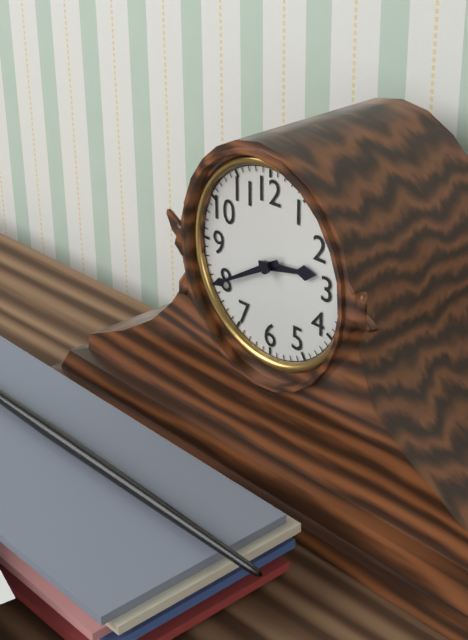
{"hour": 2, "minute": 40}
